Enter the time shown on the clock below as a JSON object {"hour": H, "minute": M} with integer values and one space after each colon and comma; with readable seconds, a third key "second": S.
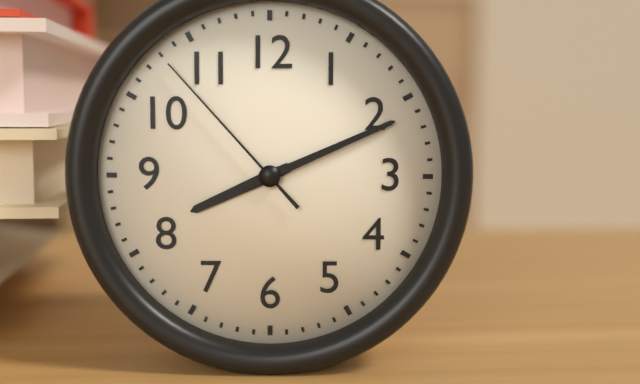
{"hour": 8, "minute": 11, "second": 53}
